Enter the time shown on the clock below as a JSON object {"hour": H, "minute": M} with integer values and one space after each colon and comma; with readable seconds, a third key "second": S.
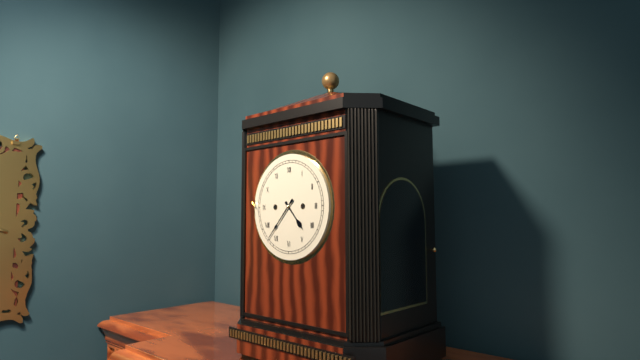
{"hour": 4, "minute": 37}
